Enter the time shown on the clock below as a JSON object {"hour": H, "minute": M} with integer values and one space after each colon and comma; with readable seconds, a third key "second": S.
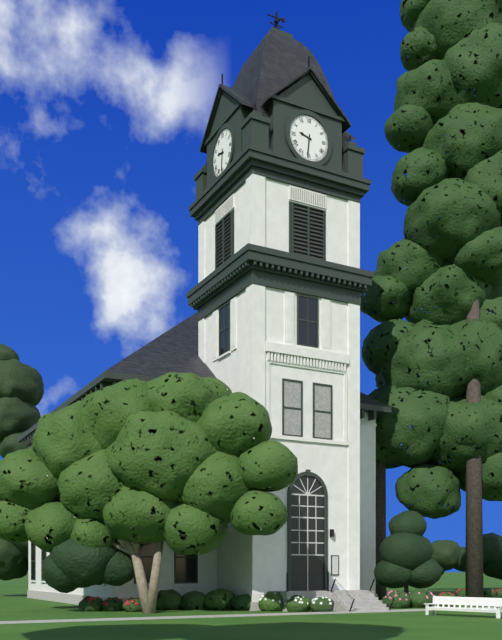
{"hour": 9, "minute": 31}
